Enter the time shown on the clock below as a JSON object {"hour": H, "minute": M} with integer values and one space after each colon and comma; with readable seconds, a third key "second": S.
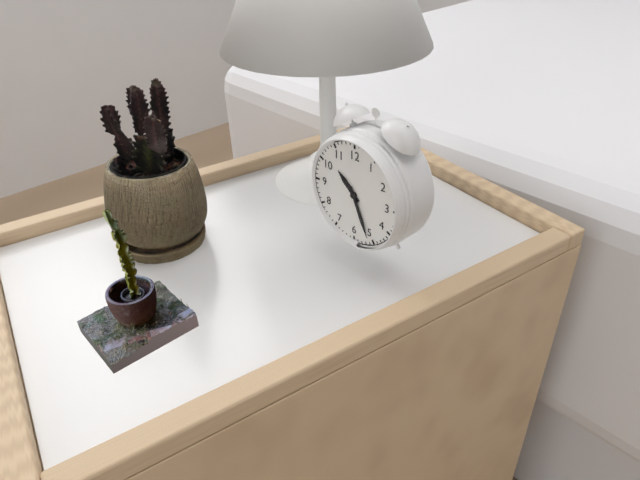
{"hour": 10, "minute": 26}
